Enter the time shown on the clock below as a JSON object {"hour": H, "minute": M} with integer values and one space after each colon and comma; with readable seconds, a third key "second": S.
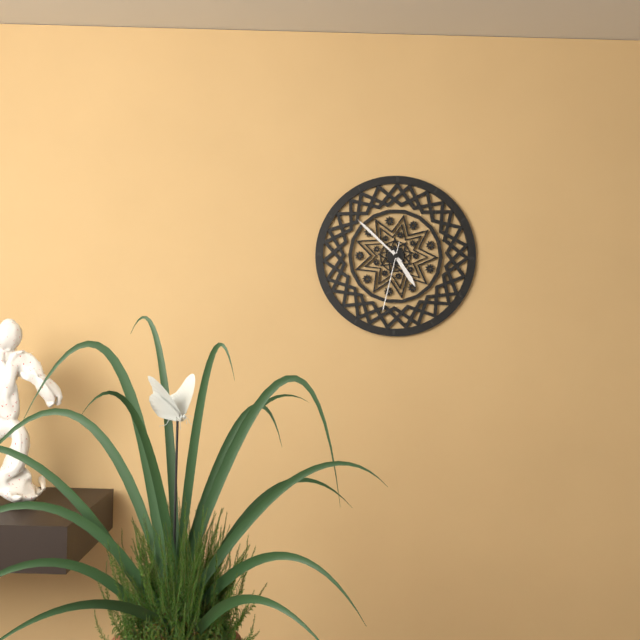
{"hour": 4, "minute": 52, "second": 32}
